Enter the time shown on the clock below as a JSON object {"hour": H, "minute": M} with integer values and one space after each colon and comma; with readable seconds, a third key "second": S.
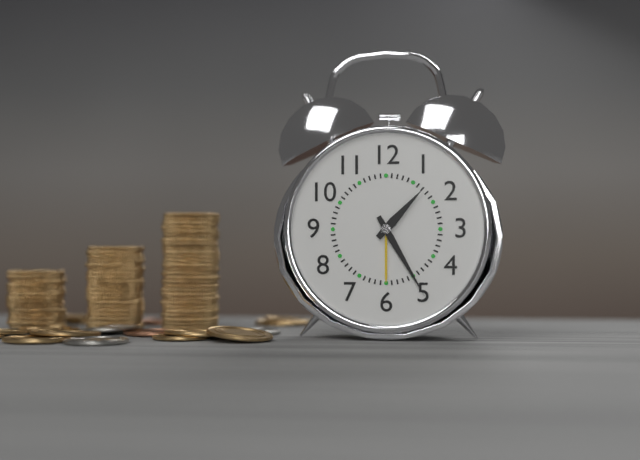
{"hour": 1, "minute": 25}
